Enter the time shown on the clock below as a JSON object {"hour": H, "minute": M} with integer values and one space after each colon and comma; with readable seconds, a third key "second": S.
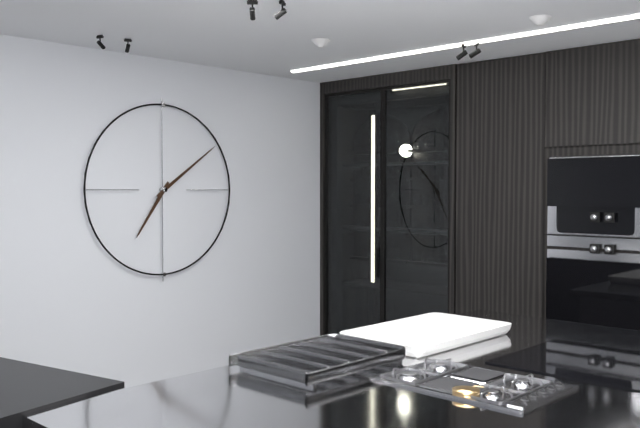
{"hour": 7, "minute": 9}
